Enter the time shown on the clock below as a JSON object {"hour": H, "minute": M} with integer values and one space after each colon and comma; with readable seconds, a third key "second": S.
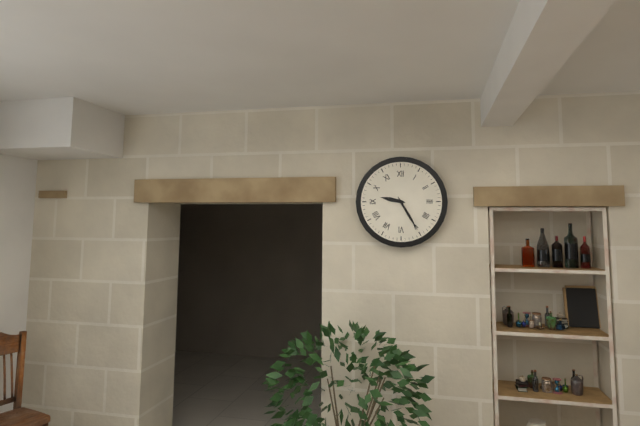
{"hour": 9, "minute": 25}
